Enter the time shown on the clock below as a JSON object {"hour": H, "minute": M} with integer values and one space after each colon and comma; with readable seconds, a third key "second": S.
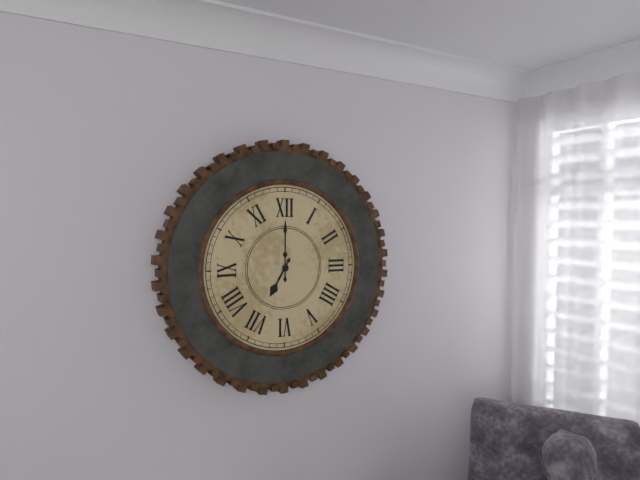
{"hour": 7, "minute": 0}
